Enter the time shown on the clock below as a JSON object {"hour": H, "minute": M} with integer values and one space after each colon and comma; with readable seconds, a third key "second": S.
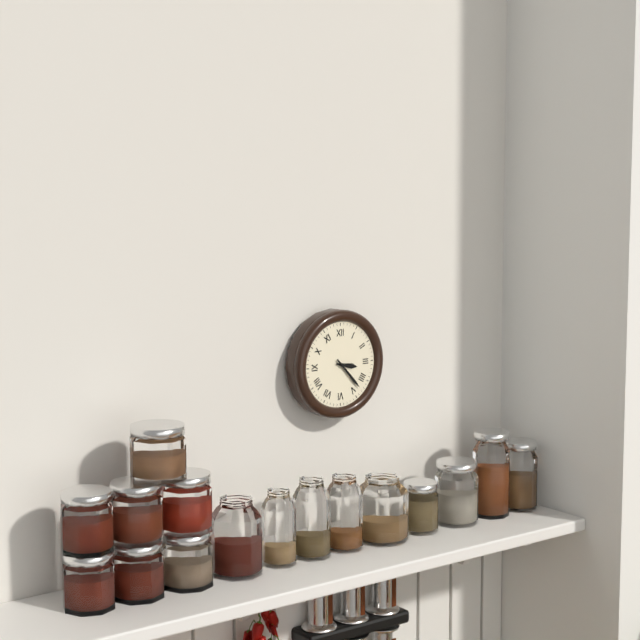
{"hour": 3, "minute": 23}
